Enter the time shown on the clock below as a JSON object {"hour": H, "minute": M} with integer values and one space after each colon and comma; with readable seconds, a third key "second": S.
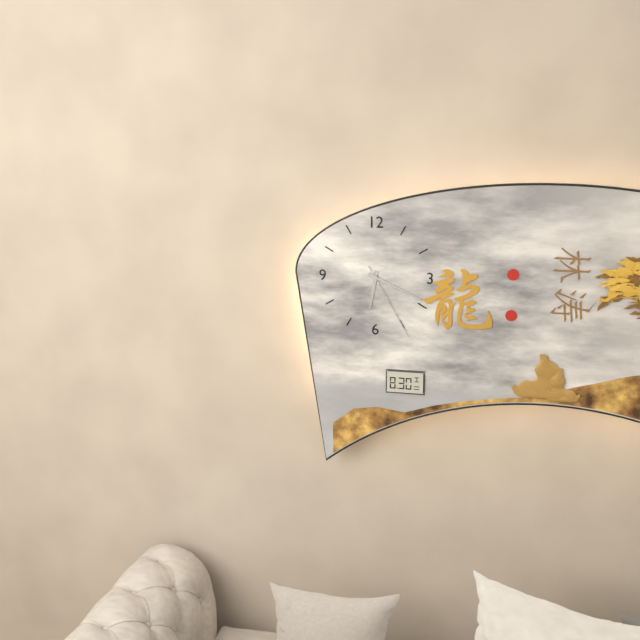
{"hour": 6, "minute": 19, "second": 25}
